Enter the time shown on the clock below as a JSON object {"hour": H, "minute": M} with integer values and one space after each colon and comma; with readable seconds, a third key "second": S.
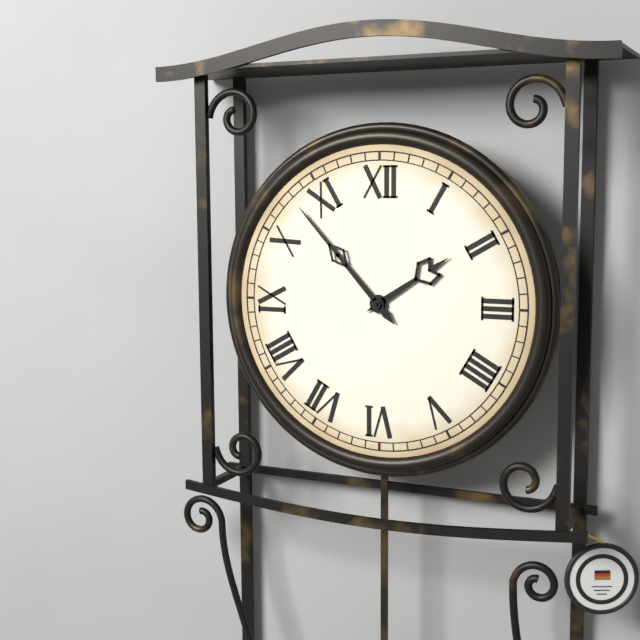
{"hour": 1, "minute": 53}
